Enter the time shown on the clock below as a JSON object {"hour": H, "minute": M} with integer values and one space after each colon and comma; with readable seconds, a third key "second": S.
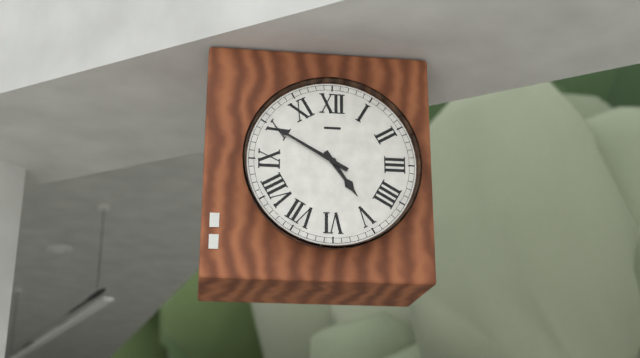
{"hour": 4, "minute": 50}
